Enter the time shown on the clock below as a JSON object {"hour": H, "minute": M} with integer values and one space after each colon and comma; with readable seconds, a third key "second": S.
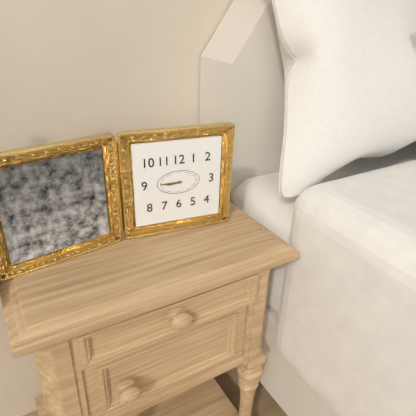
{"hour": 8, "minute": 45}
